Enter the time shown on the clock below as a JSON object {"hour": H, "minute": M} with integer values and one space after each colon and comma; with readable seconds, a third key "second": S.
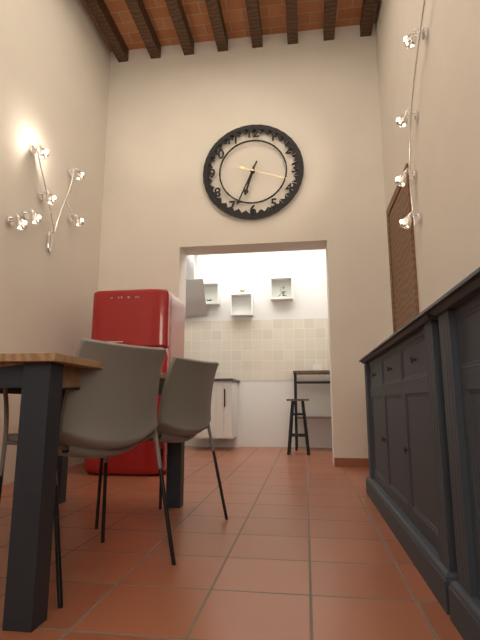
{"hour": 6, "minute": 34}
